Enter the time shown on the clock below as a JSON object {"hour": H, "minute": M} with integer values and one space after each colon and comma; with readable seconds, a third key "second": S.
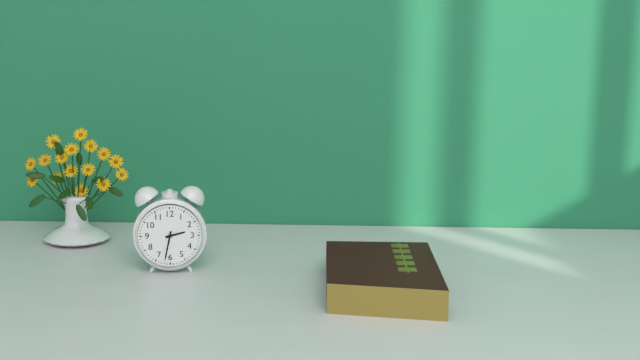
{"hour": 2, "minute": 32}
